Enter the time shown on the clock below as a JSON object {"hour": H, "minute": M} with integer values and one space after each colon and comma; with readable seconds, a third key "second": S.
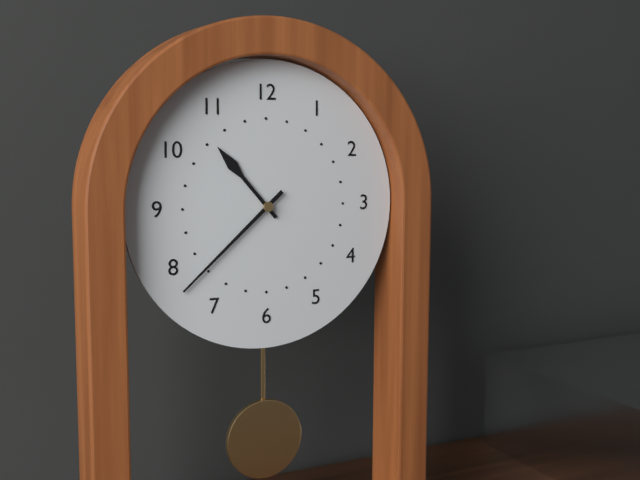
{"hour": 10, "minute": 38}
